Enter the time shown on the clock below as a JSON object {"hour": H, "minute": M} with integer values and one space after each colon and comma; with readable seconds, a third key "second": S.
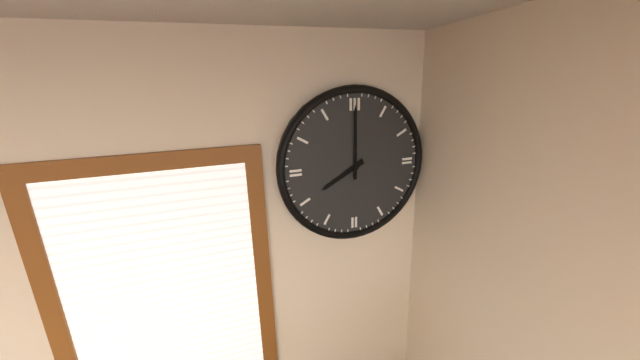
{"hour": 8, "minute": 0}
